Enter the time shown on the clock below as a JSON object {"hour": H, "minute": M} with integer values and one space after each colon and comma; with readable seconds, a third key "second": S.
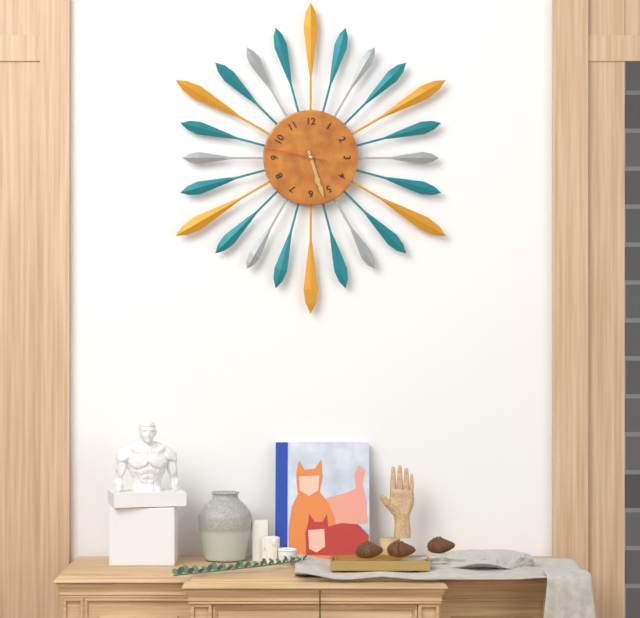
{"hour": 5, "minute": 27, "second": 47}
